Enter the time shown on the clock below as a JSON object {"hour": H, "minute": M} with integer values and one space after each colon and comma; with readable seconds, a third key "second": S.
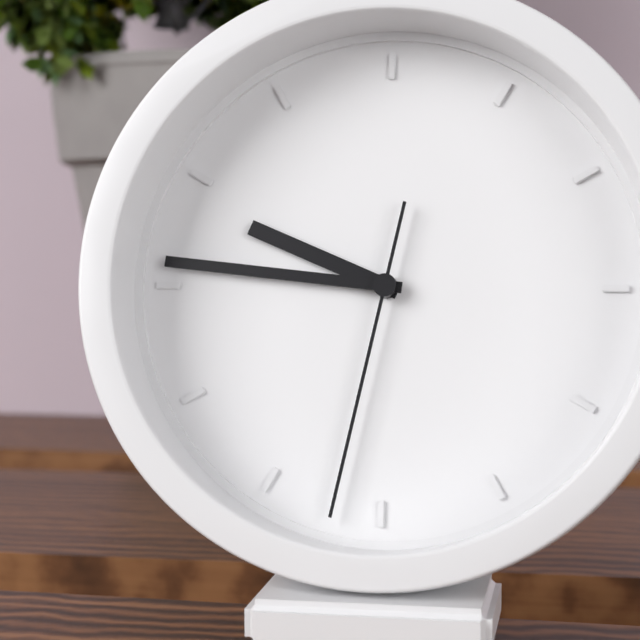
{"hour": 9, "minute": 46, "second": 32}
